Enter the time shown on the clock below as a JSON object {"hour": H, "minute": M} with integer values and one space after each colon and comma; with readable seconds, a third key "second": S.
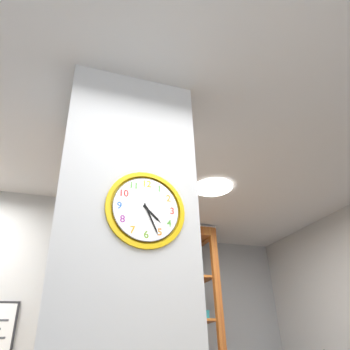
{"hour": 4, "minute": 26}
